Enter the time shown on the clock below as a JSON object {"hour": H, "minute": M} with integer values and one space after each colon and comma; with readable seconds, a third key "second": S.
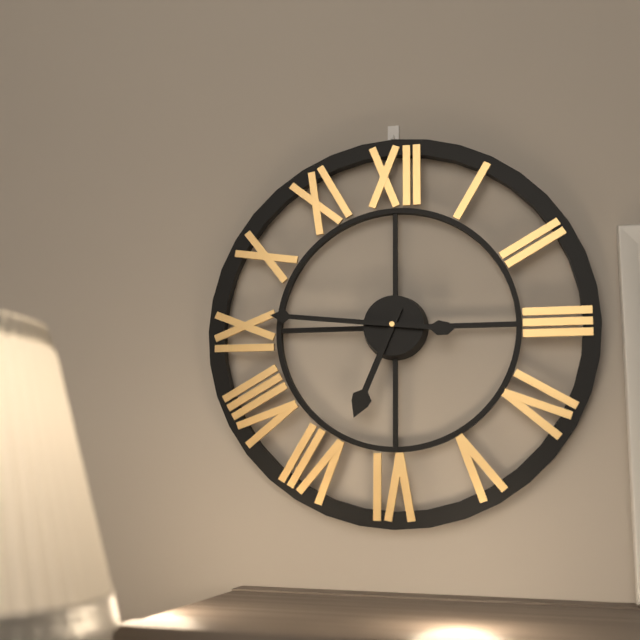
{"hour": 6, "minute": 46}
